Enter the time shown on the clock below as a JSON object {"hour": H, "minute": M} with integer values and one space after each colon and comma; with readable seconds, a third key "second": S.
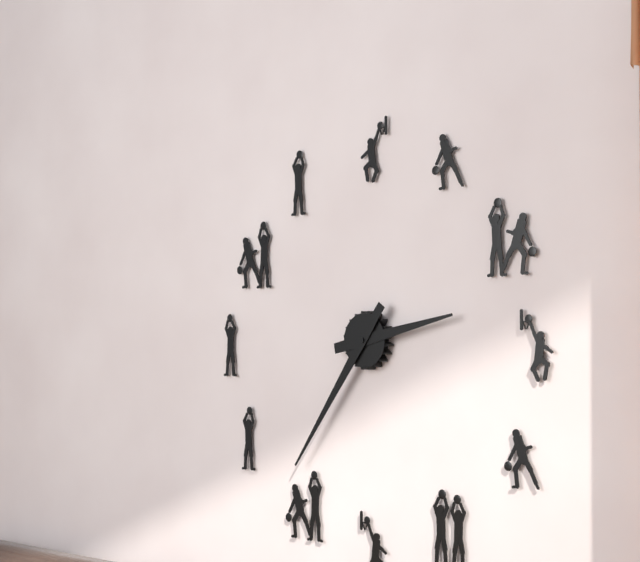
{"hour": 2, "minute": 36}
